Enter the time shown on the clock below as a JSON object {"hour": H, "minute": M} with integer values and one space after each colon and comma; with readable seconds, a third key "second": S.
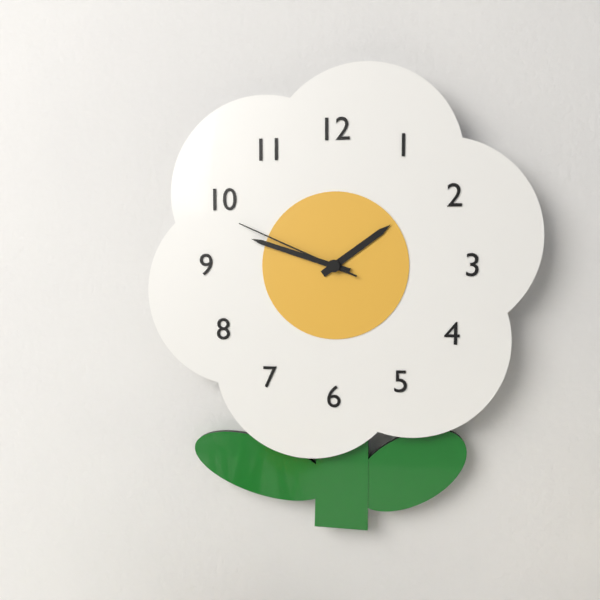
{"hour": 1, "minute": 48, "second": 49}
